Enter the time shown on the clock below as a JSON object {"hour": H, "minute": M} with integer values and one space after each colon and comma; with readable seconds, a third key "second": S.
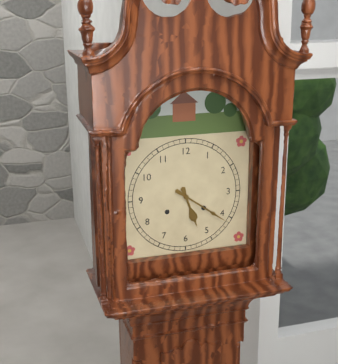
{"hour": 5, "minute": 21}
